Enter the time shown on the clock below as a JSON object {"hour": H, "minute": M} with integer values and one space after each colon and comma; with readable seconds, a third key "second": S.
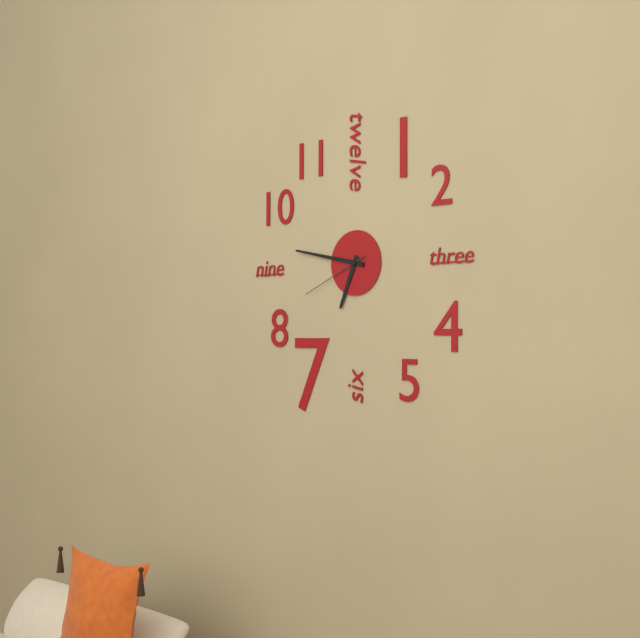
{"hour": 6, "minute": 47, "second": 41}
